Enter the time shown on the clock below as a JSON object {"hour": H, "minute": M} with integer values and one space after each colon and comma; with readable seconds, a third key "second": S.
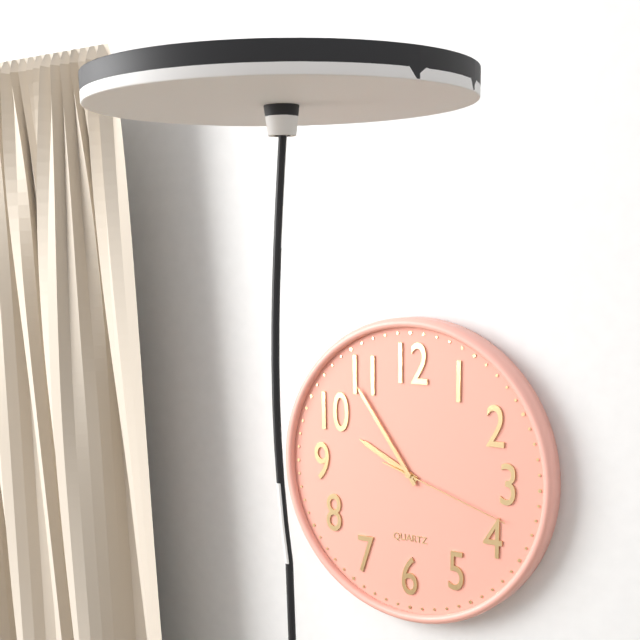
{"hour": 9, "minute": 54, "second": 18}
